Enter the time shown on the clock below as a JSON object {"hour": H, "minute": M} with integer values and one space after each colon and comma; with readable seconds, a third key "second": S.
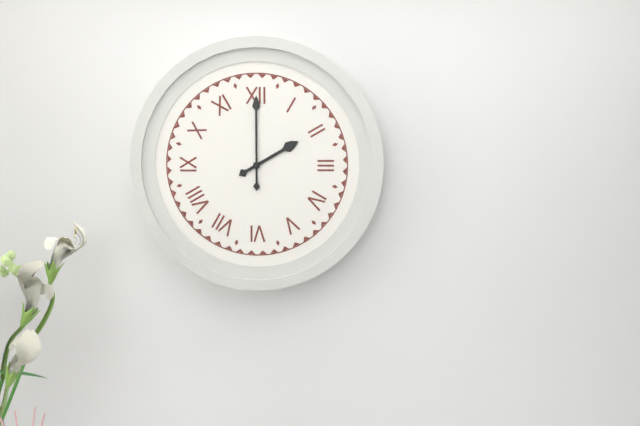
{"hour": 2, "minute": 0}
